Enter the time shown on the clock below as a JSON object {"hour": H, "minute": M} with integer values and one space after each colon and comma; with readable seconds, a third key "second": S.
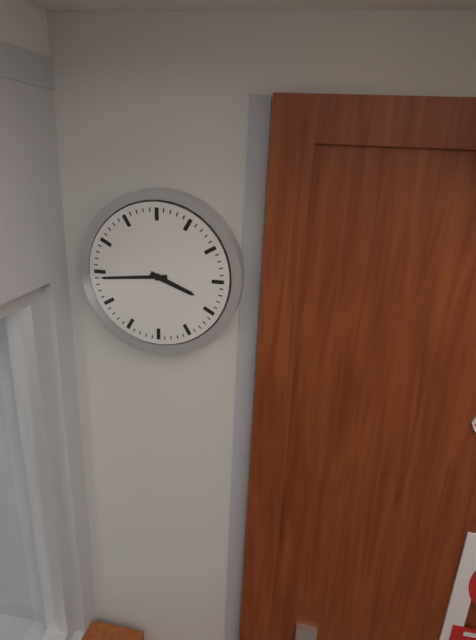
{"hour": 3, "minute": 44}
